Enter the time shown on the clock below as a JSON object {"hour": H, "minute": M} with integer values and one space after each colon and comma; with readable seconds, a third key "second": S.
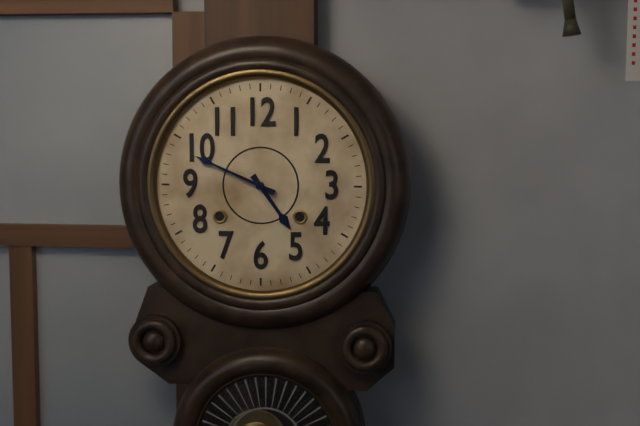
{"hour": 4, "minute": 49}
